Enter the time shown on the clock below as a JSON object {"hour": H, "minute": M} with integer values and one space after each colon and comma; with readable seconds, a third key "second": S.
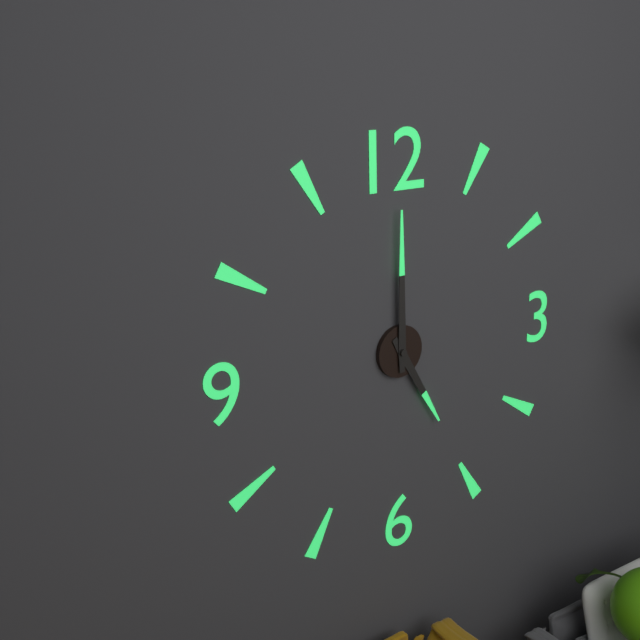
{"hour": 5, "minute": 0}
